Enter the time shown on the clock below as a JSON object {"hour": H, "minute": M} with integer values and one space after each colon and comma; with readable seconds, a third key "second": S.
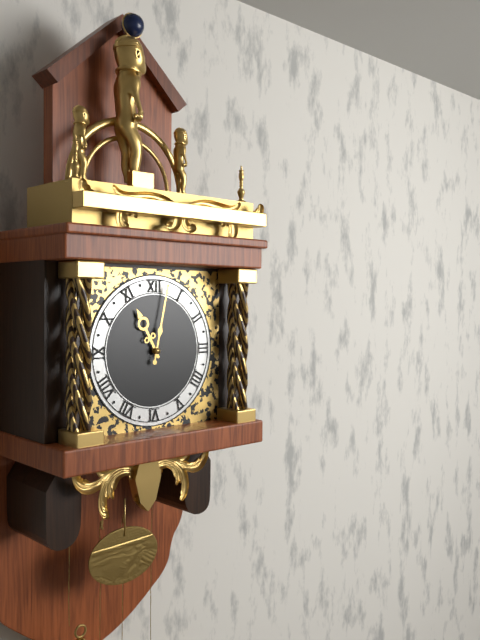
{"hour": 11, "minute": 2}
